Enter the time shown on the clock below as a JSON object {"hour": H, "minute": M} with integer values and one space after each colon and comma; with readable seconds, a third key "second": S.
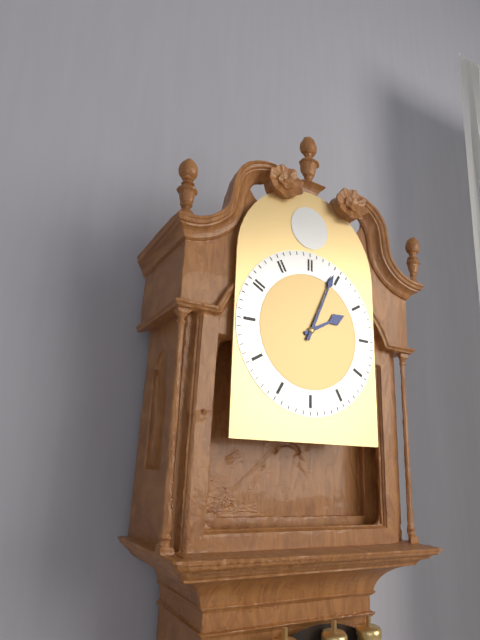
{"hour": 2, "minute": 4}
